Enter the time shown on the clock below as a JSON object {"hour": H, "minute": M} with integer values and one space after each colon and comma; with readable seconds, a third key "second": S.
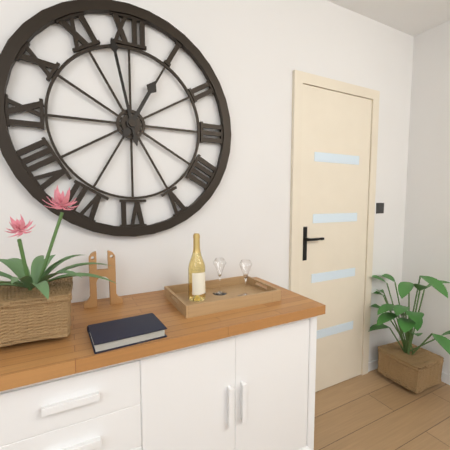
{"hour": 12, "minute": 58}
